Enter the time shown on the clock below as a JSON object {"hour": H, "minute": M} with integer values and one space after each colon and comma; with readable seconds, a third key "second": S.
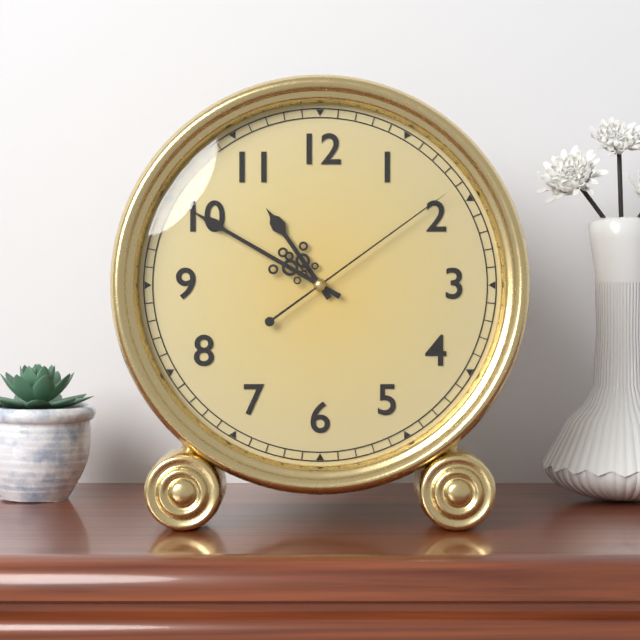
{"hour": 10, "minute": 50, "second": 9}
